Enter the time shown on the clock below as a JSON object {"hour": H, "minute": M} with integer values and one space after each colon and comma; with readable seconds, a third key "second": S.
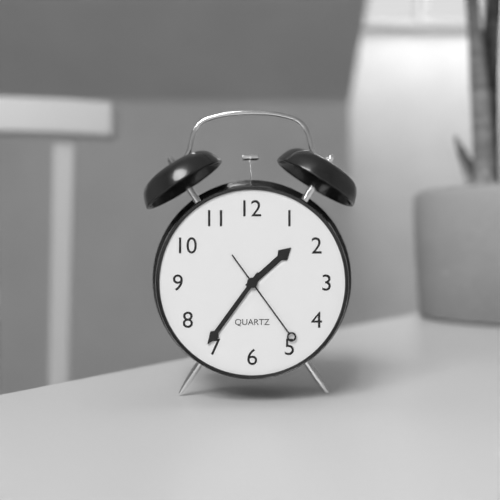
{"hour": 1, "minute": 36, "second": 24}
